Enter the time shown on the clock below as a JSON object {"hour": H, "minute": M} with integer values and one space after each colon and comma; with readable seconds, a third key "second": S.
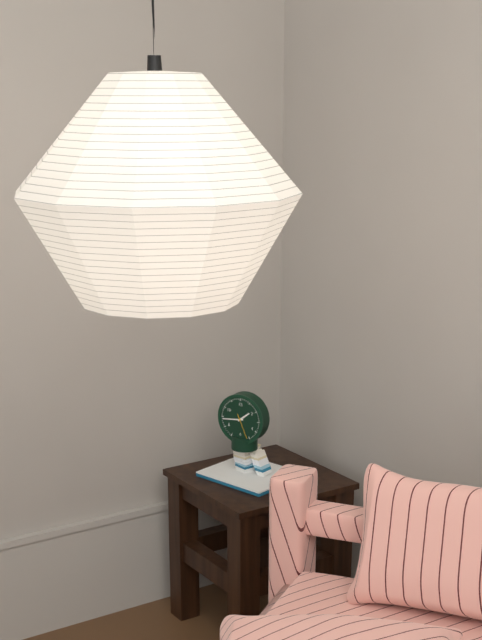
{"hour": 1, "minute": 44}
